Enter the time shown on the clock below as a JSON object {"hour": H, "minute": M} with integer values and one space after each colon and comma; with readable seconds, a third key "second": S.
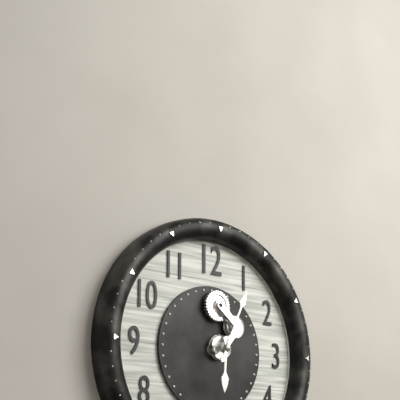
{"hour": 6, "minute": 4}
